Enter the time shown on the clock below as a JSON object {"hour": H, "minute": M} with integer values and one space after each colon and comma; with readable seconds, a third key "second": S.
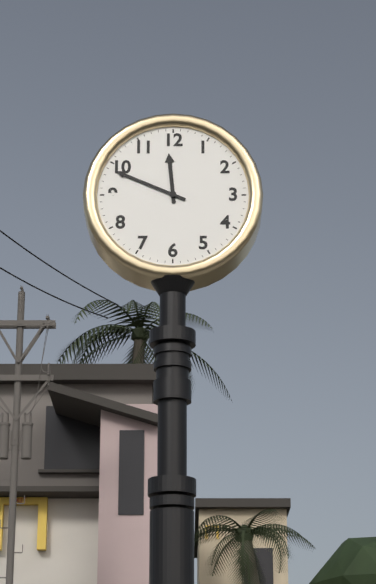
{"hour": 11, "minute": 49}
